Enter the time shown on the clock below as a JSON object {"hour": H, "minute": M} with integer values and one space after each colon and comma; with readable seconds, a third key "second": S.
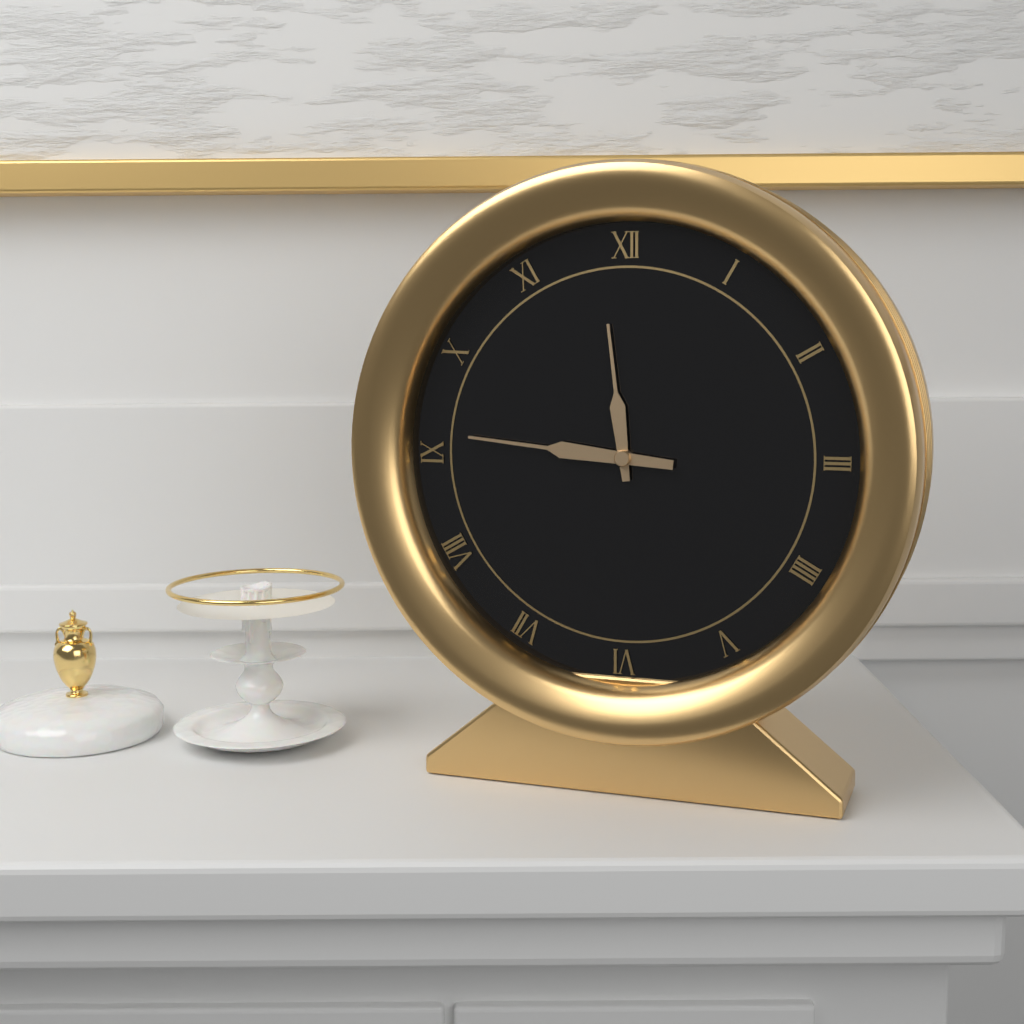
{"hour": 11, "minute": 46}
